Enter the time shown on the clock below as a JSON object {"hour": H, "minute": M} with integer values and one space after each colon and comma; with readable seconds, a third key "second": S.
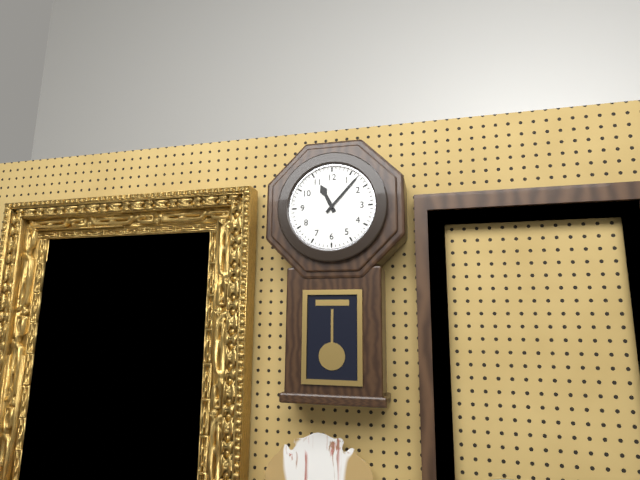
{"hour": 11, "minute": 7}
